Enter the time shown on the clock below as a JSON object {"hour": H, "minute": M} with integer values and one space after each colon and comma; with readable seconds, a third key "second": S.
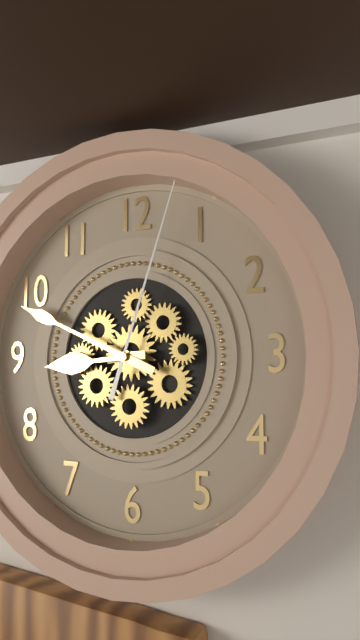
{"hour": 8, "minute": 49, "second": 3}
